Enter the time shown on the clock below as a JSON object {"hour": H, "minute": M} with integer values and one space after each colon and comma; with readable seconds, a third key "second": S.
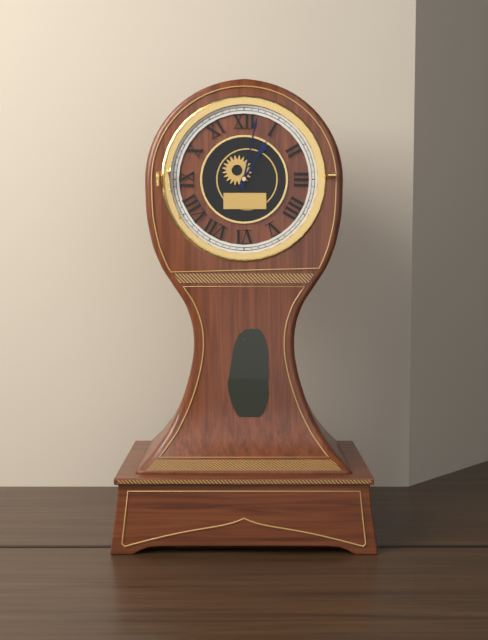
{"hour": 1, "minute": 2}
